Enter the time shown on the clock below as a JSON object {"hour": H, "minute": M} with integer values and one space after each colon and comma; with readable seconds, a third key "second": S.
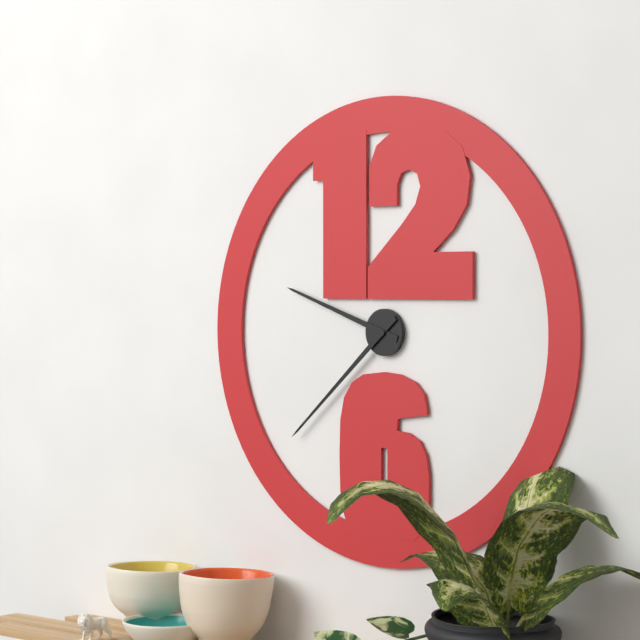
{"hour": 9, "minute": 38}
